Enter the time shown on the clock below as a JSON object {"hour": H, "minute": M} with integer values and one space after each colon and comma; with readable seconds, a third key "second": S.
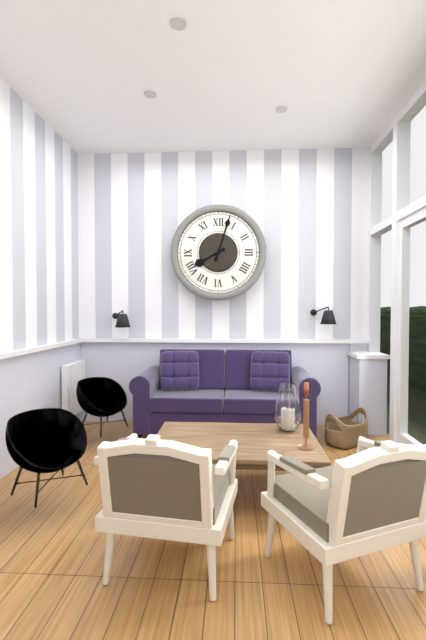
{"hour": 8, "minute": 3}
